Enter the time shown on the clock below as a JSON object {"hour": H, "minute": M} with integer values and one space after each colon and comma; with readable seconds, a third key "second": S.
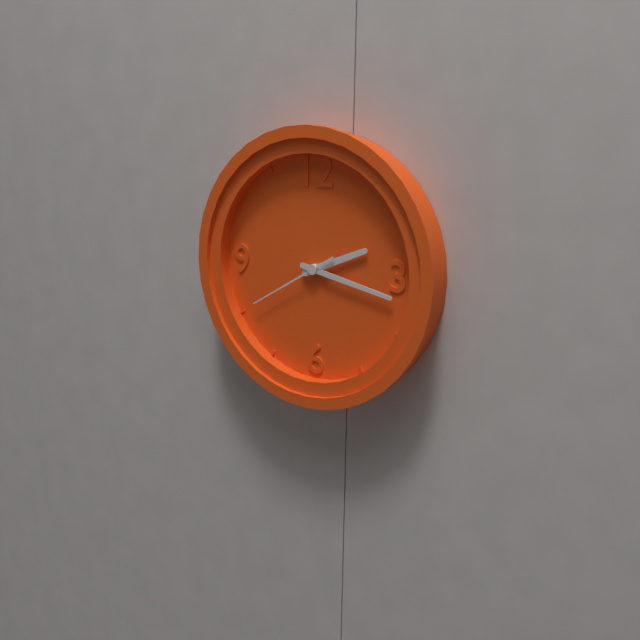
{"hour": 2, "minute": 17, "second": 40}
